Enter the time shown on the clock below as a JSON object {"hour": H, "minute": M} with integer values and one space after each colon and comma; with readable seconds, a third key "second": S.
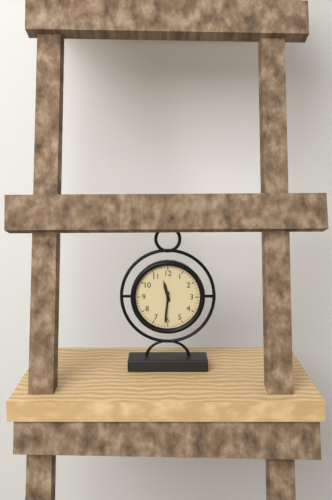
{"hour": 11, "minute": 31}
